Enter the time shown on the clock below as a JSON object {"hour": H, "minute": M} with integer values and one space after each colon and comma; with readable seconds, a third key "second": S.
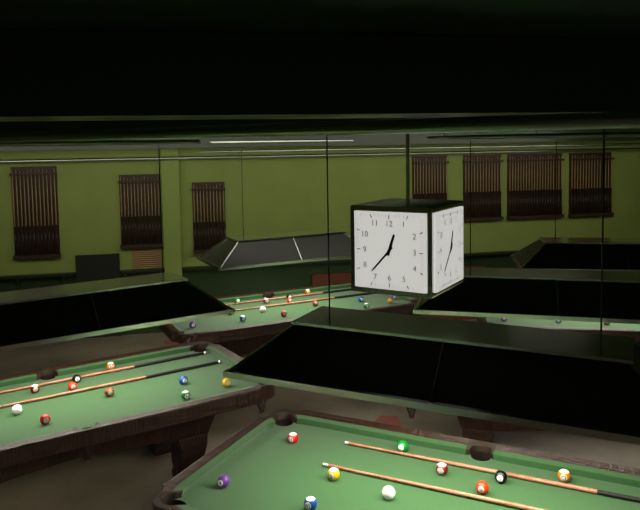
{"hour": 12, "minute": 37}
